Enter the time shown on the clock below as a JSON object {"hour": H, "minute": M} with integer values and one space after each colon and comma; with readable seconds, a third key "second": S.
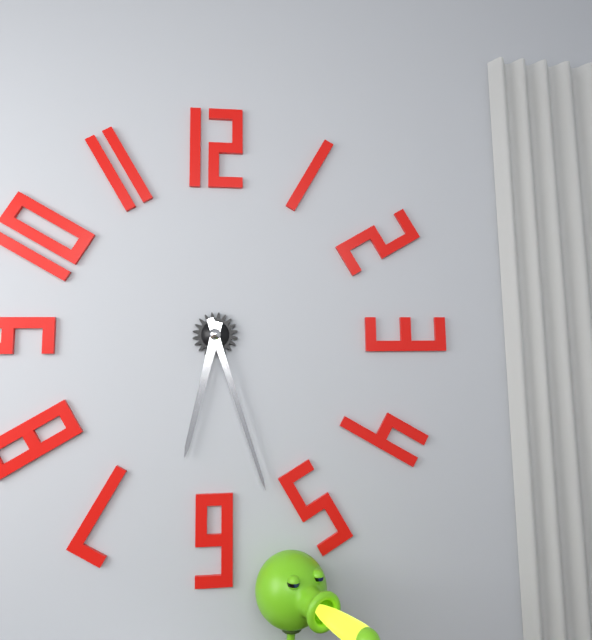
{"hour": 6, "minute": 27}
